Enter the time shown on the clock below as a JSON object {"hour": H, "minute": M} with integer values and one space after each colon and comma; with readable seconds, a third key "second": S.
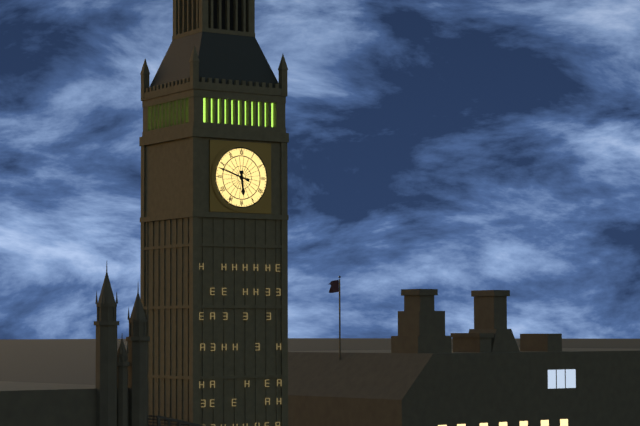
{"hour": 5, "minute": 48}
